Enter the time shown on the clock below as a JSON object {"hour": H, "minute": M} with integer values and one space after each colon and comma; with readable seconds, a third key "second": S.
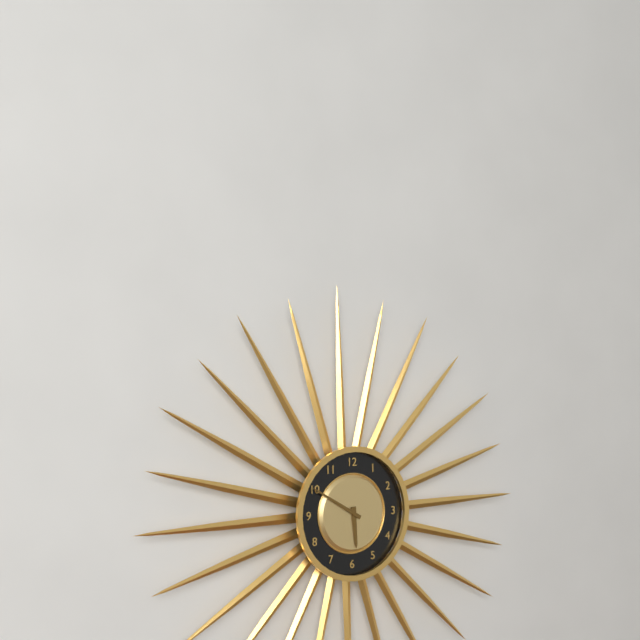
{"hour": 5, "minute": 50}
